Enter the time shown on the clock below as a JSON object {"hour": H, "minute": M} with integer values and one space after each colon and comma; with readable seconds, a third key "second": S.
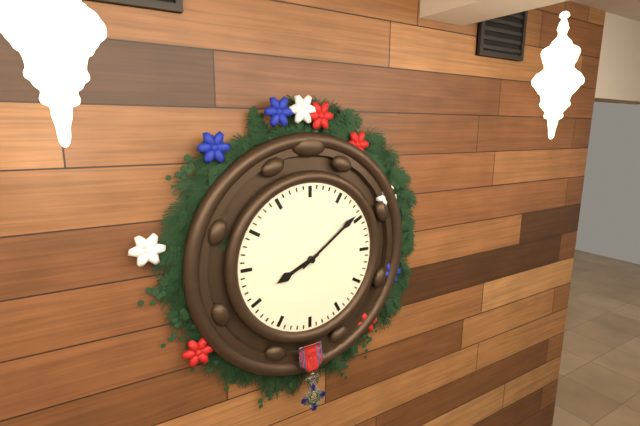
{"hour": 8, "minute": 9}
